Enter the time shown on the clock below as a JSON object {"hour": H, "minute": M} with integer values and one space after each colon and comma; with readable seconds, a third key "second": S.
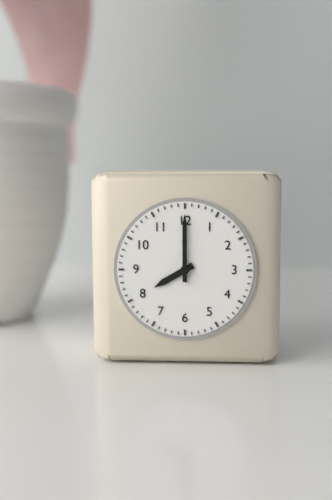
{"hour": 8, "minute": 0}
